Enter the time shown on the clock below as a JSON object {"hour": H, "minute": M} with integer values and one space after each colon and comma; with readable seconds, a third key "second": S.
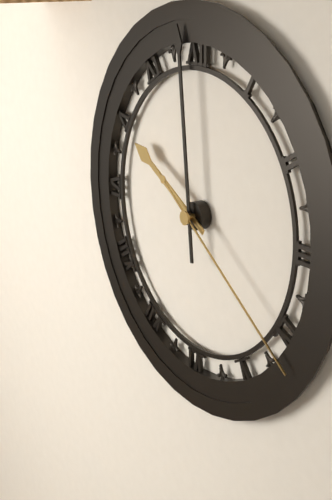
{"hour": 9, "minute": 59, "second": 21}
